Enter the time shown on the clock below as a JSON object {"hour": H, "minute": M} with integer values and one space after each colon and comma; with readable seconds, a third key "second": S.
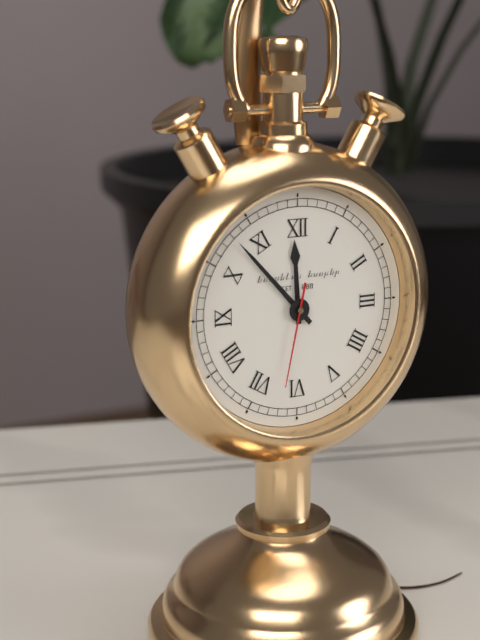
{"hour": 11, "minute": 53, "second": 32}
